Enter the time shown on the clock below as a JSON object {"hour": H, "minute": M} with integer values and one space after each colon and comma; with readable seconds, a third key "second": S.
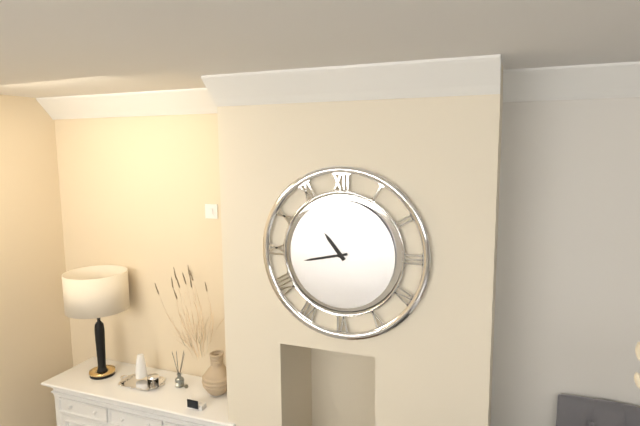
{"hour": 10, "minute": 43}
